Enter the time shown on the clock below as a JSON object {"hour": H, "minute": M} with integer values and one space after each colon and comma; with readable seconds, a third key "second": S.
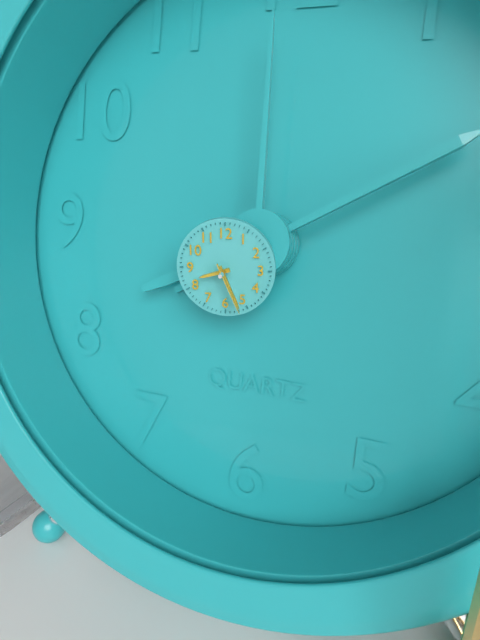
{"hour": 8, "minute": 26, "second": 26}
